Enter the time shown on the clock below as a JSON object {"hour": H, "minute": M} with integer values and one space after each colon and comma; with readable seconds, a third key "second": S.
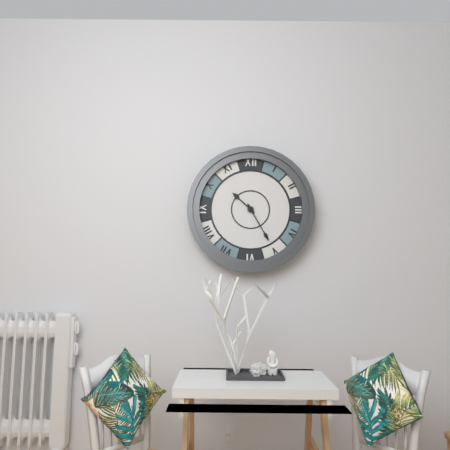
{"hour": 10, "minute": 25}
